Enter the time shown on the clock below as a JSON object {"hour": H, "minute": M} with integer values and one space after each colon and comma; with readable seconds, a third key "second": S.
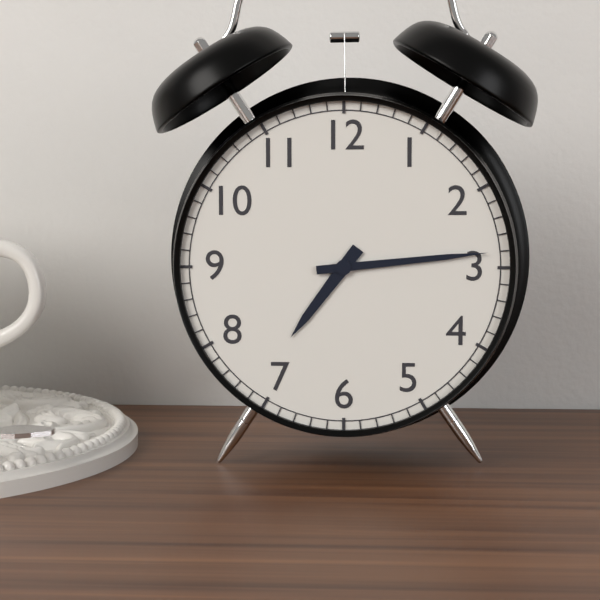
{"hour": 7, "minute": 14}
